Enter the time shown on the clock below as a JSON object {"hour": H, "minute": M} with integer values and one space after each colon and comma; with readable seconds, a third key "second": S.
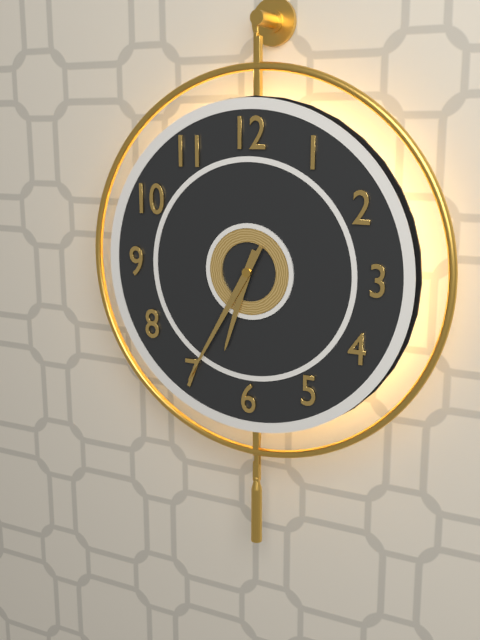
{"hour": 6, "minute": 35}
